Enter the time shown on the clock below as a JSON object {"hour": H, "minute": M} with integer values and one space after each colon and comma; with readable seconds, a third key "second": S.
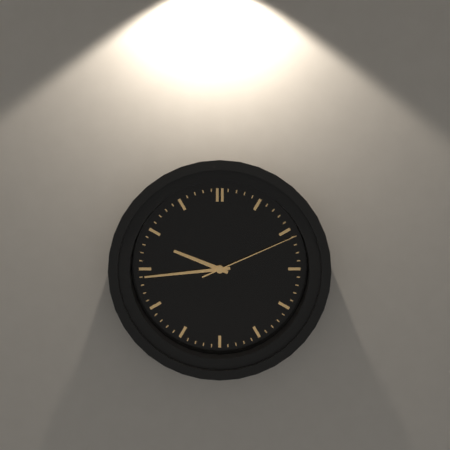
{"hour": 9, "minute": 44, "second": 11}
